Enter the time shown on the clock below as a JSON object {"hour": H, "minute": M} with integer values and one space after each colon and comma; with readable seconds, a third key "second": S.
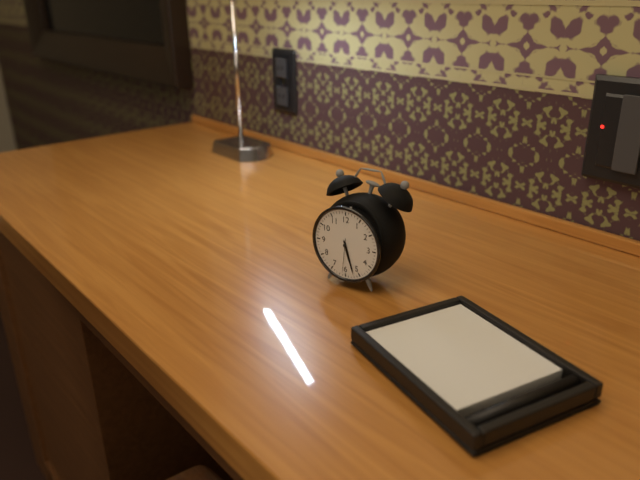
{"hour": 5, "minute": 27}
